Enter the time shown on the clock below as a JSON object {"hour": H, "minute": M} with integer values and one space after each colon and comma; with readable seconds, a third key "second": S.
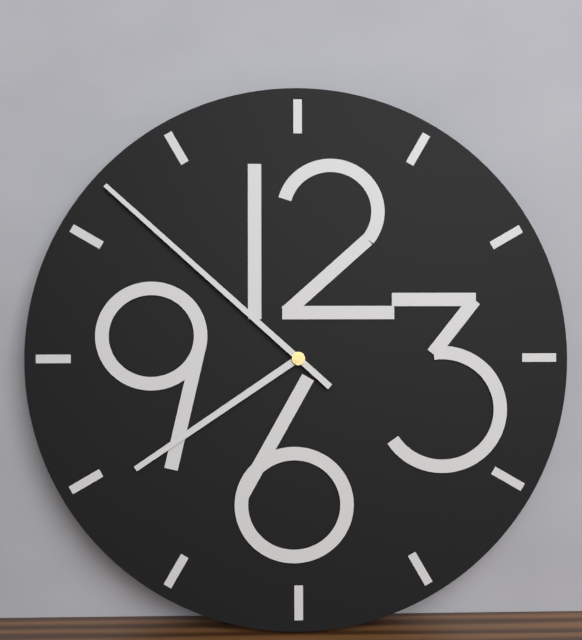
{"hour": 7, "minute": 52}
